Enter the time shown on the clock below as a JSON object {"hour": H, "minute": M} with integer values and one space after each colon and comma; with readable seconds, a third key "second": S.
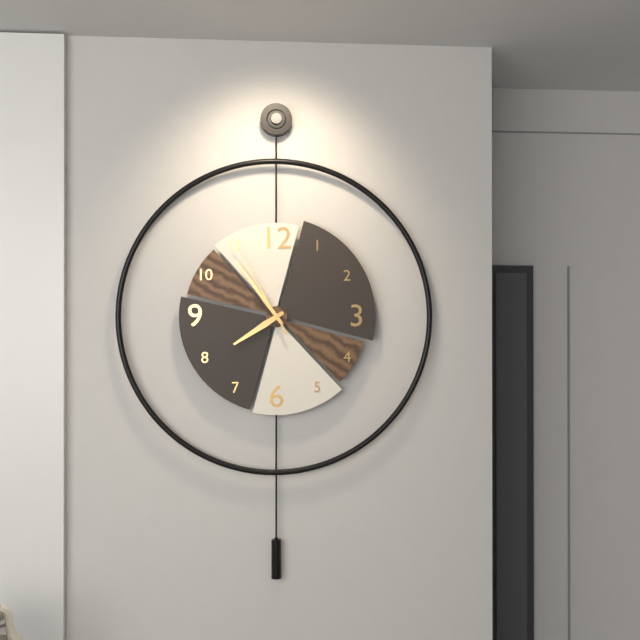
{"hour": 7, "minute": 54, "second": 55}
